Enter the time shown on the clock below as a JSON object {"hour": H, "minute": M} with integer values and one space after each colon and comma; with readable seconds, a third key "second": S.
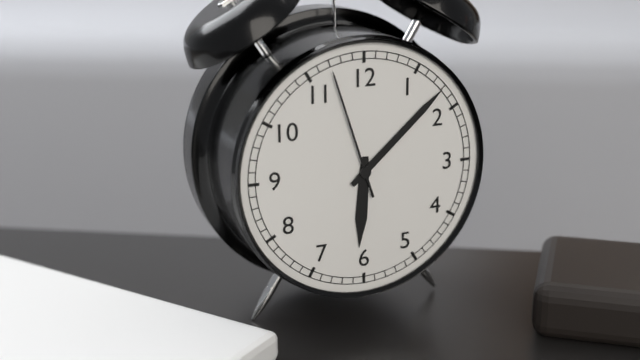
{"hour": 6, "minute": 8, "second": 57}
